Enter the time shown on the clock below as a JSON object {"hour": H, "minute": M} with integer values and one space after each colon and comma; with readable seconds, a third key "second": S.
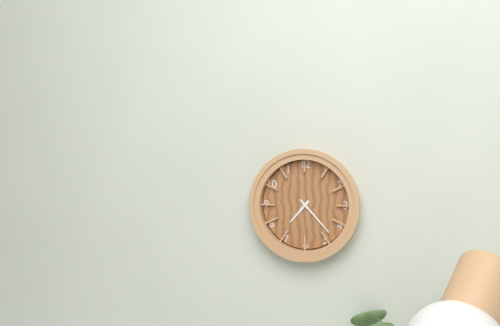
{"hour": 7, "minute": 23}
